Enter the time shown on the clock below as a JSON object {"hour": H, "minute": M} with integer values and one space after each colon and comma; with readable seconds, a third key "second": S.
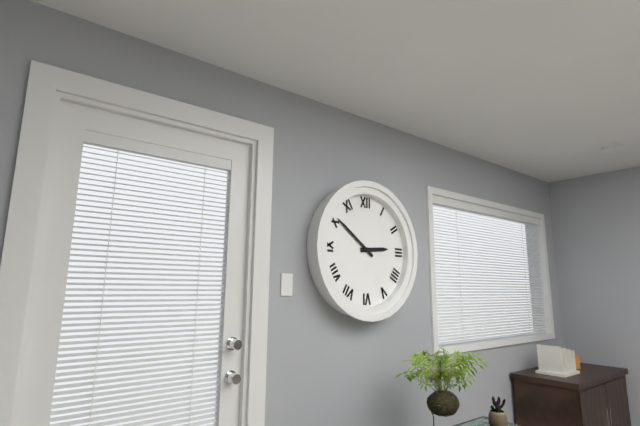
{"hour": 2, "minute": 51}
